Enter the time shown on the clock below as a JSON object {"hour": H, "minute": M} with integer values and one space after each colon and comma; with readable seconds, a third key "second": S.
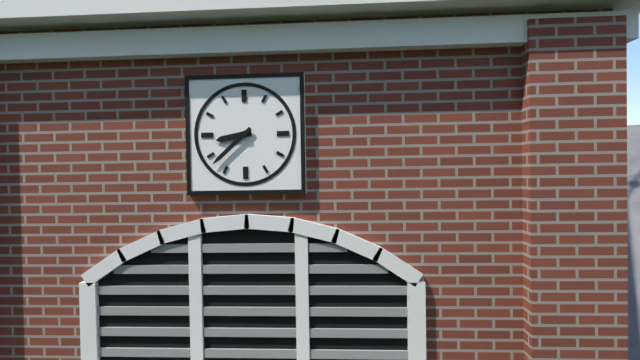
{"hour": 8, "minute": 38}
